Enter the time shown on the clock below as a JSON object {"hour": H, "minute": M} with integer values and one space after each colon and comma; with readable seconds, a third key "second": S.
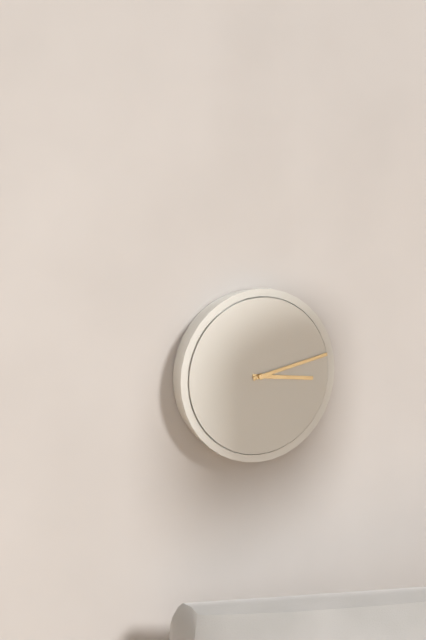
{"hour": 3, "minute": 13}
